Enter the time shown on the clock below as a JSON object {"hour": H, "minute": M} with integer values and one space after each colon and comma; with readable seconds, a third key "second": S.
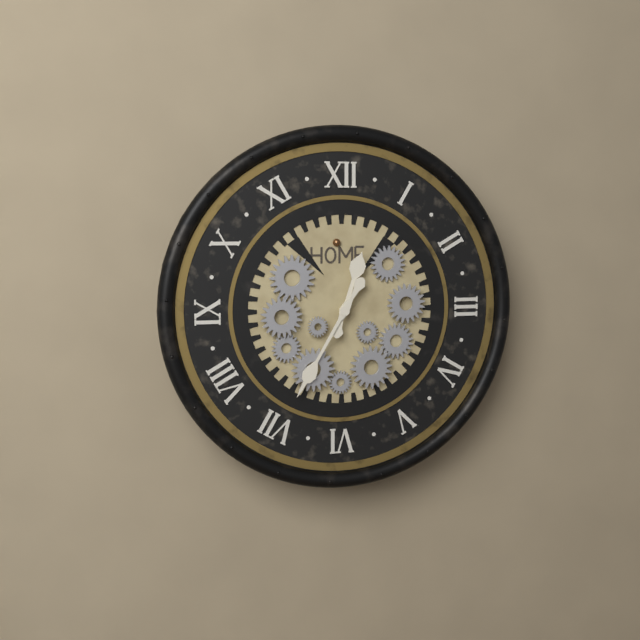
{"hour": 12, "minute": 35}
